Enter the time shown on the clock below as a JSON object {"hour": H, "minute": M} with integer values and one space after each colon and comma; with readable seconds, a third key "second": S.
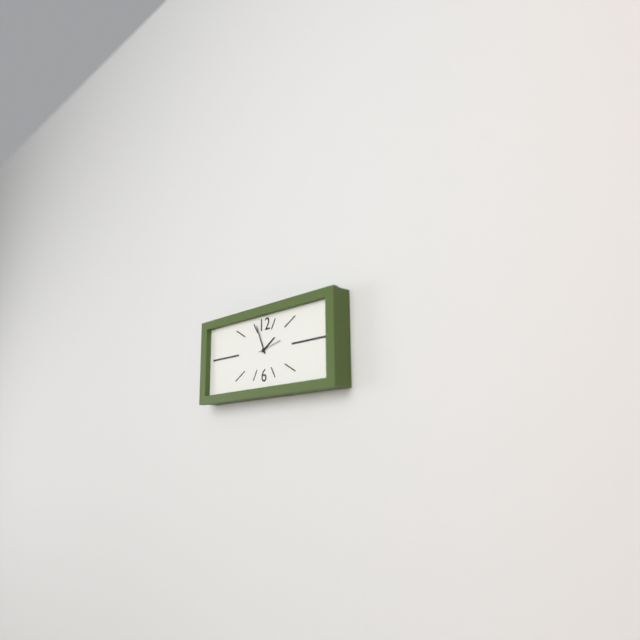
{"hour": 1, "minute": 56}
